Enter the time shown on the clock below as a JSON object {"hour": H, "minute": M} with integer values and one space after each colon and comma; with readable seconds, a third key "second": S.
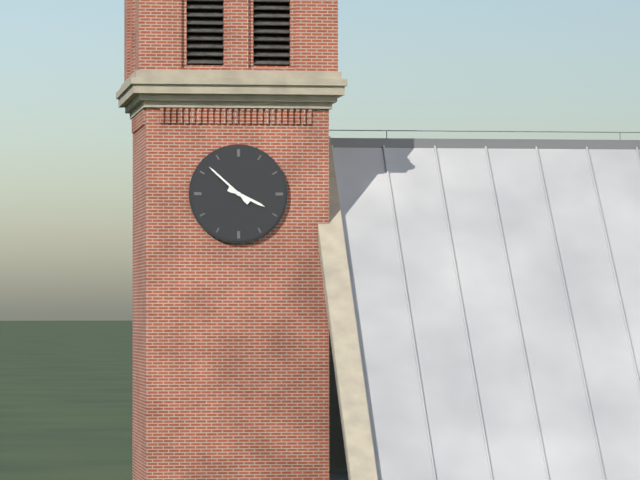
{"hour": 3, "minute": 52}
